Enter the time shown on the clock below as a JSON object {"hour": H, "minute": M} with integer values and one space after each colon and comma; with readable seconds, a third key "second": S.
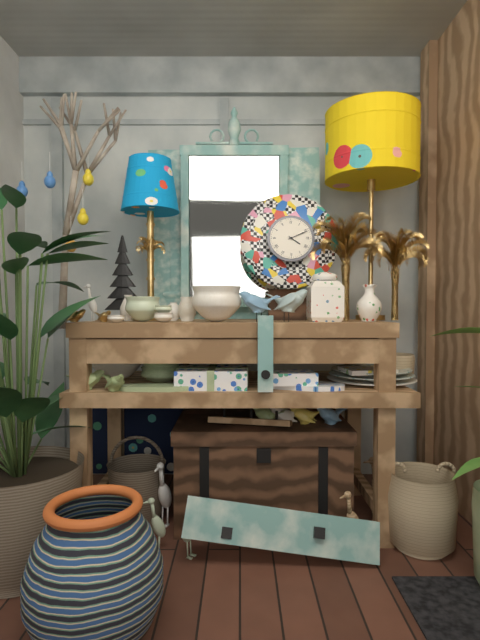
{"hour": 4, "minute": 11}
